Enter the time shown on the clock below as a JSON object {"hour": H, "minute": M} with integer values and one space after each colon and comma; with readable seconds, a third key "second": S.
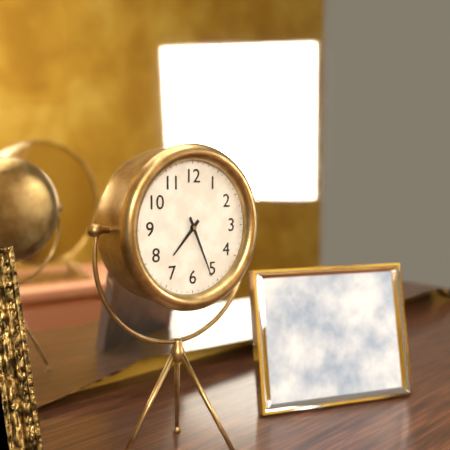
{"hour": 7, "minute": 26}
